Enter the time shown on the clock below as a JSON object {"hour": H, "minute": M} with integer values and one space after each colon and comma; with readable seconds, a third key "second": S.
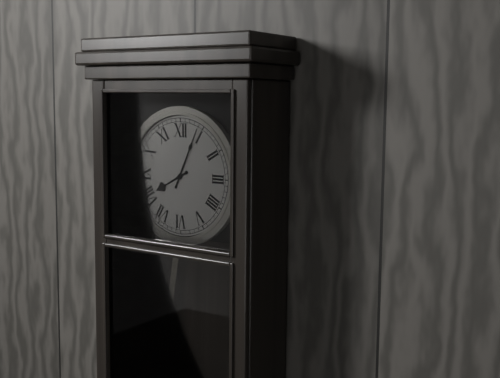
{"hour": 8, "minute": 4}
